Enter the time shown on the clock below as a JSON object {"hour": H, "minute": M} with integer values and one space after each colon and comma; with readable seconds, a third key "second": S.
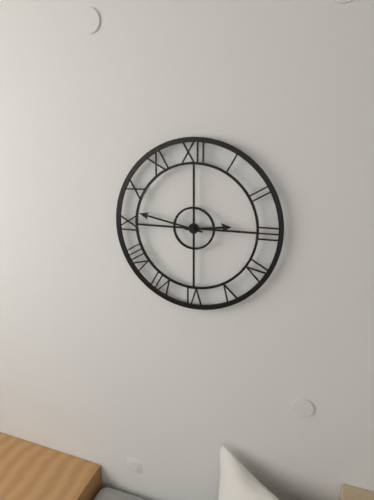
{"hour": 2, "minute": 47}
